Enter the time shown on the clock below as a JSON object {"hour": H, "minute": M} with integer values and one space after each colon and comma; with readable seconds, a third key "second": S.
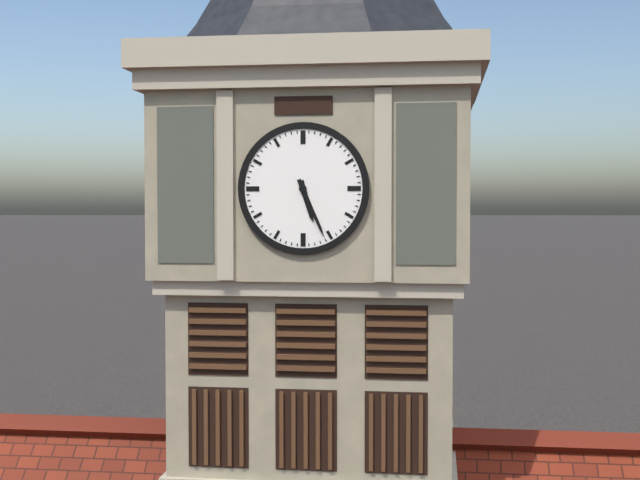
{"hour": 5, "minute": 26}
